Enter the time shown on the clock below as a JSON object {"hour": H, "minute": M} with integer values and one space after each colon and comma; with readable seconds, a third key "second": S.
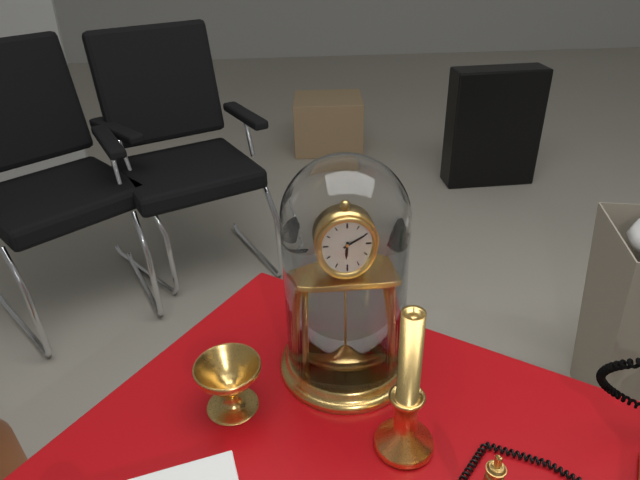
{"hour": 6, "minute": 10}
